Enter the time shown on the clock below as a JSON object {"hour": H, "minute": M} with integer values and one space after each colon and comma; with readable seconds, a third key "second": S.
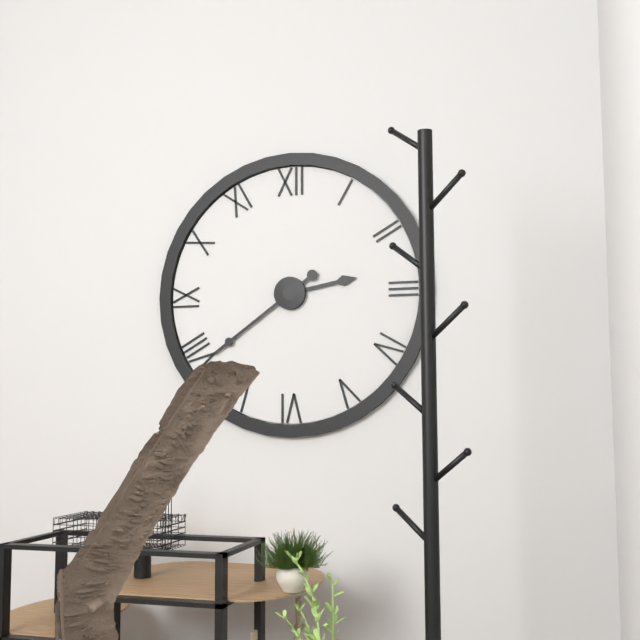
{"hour": 2, "minute": 39}
